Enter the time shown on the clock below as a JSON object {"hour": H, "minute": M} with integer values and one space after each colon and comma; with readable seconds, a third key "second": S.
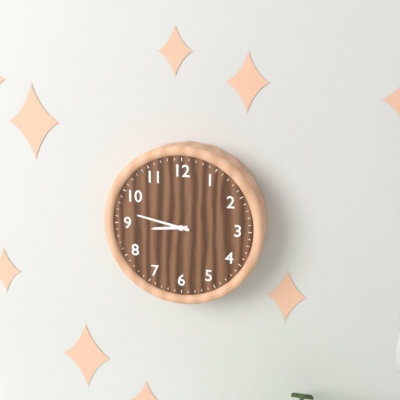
{"hour": 8, "minute": 47}
